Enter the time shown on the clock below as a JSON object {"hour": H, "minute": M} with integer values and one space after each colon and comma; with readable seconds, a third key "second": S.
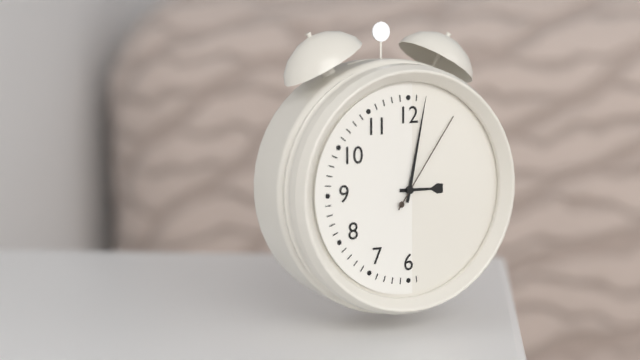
{"hour": 3, "minute": 2, "second": 6}
